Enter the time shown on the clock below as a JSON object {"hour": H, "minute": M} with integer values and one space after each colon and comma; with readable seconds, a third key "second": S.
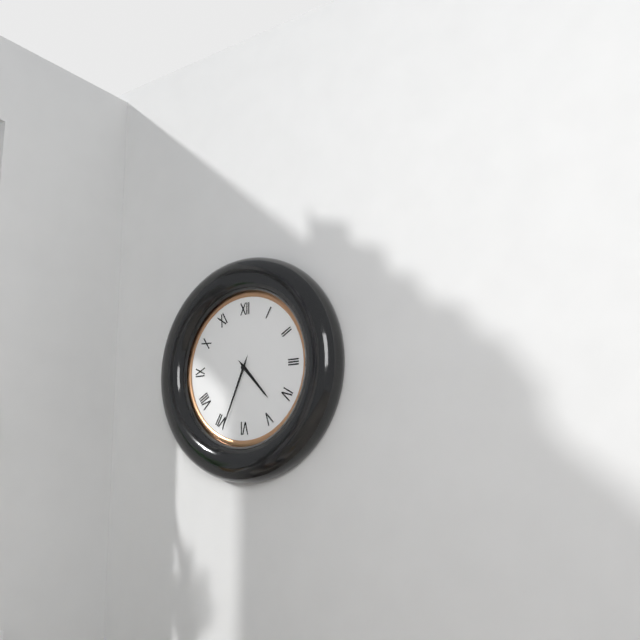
{"hour": 4, "minute": 34}
